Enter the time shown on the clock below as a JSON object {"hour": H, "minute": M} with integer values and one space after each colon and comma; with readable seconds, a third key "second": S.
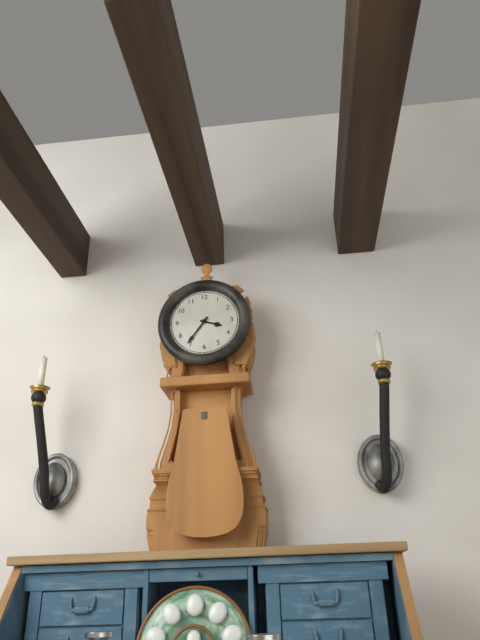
{"hour": 3, "minute": 36}
